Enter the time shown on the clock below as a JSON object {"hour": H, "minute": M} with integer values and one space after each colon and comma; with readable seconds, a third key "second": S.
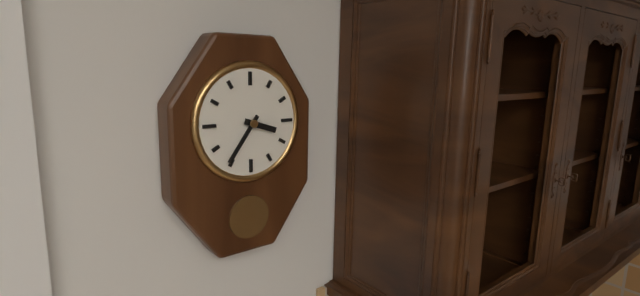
{"hour": 3, "minute": 36}
